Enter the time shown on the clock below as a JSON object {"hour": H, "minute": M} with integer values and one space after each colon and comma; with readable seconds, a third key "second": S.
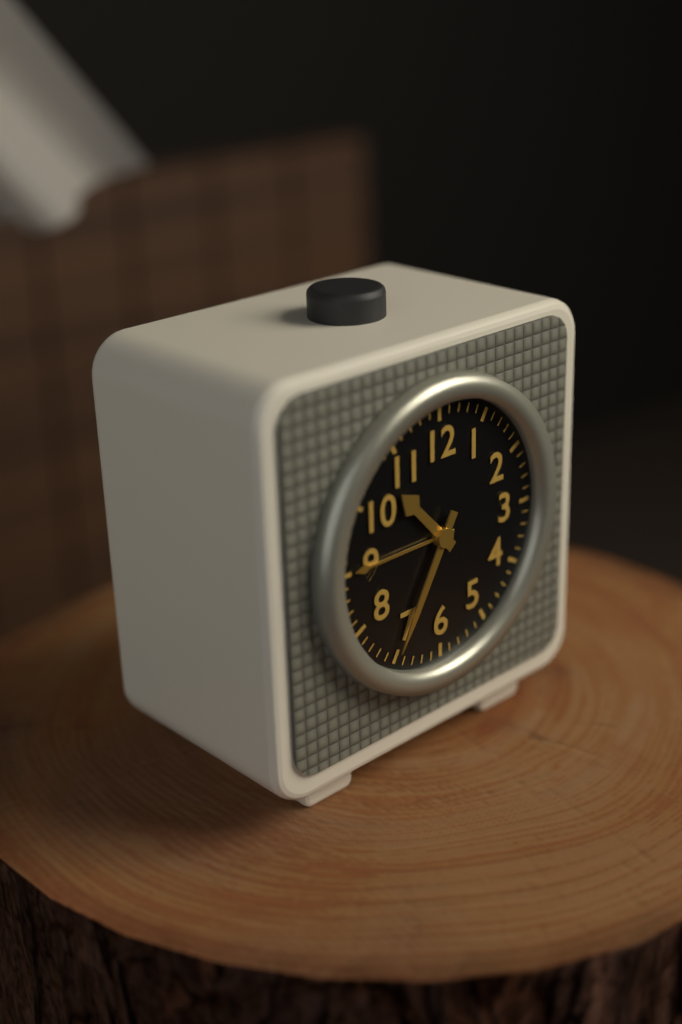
{"hour": 10, "minute": 35}
